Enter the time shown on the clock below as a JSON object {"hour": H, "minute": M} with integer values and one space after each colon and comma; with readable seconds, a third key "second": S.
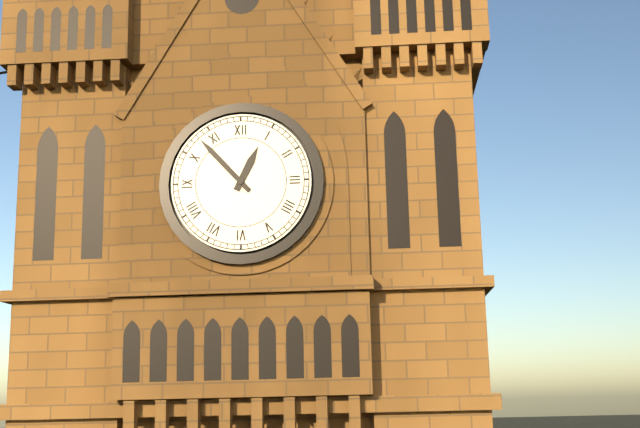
{"hour": 12, "minute": 53}
